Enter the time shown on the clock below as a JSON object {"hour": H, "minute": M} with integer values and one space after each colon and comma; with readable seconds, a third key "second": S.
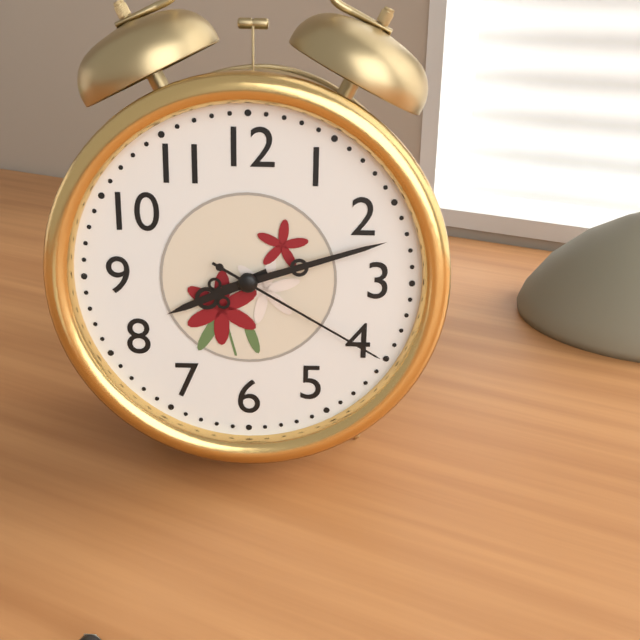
{"hour": 8, "minute": 12, "second": 20}
